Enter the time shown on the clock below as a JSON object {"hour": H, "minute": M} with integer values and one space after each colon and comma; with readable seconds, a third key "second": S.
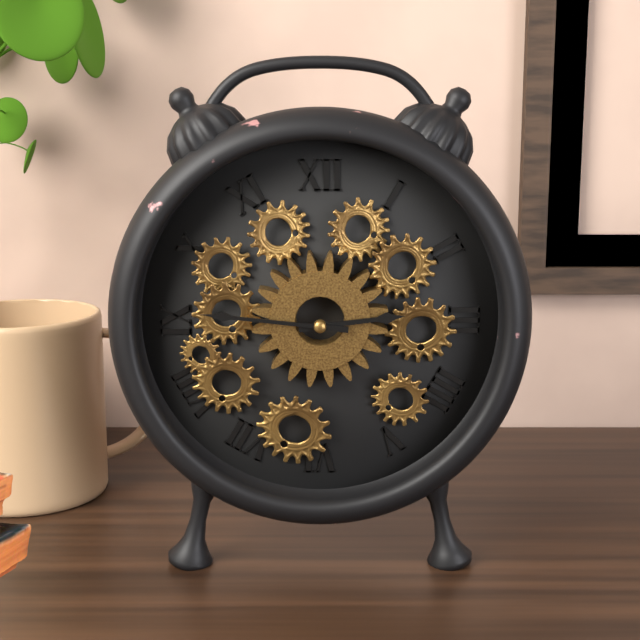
{"hour": 2, "minute": 46}
